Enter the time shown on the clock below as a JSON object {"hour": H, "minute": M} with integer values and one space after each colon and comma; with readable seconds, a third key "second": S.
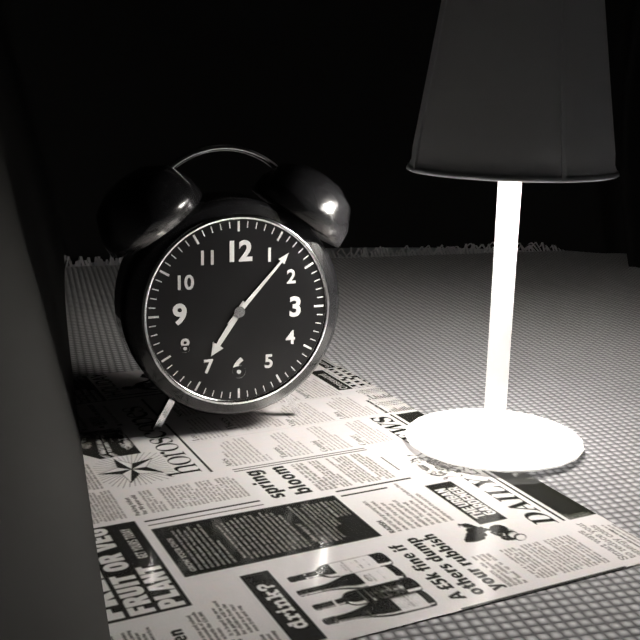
{"hour": 7, "minute": 7}
